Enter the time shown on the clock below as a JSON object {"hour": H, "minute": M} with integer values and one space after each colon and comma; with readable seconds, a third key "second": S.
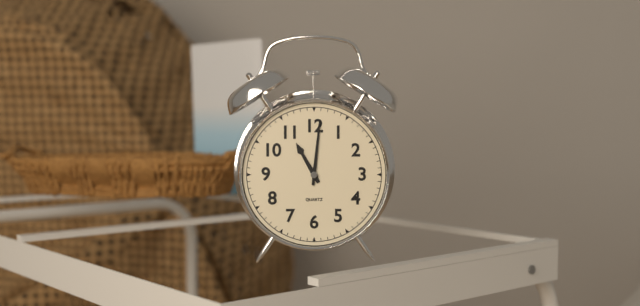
{"hour": 11, "minute": 1}
